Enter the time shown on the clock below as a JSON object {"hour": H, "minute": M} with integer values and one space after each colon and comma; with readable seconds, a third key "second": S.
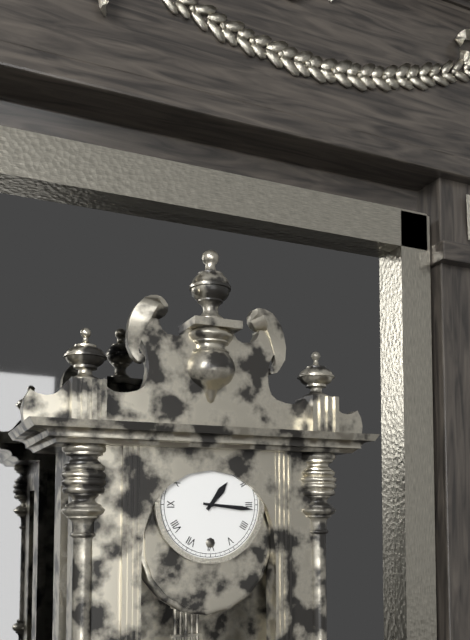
{"hour": 1, "minute": 16}
